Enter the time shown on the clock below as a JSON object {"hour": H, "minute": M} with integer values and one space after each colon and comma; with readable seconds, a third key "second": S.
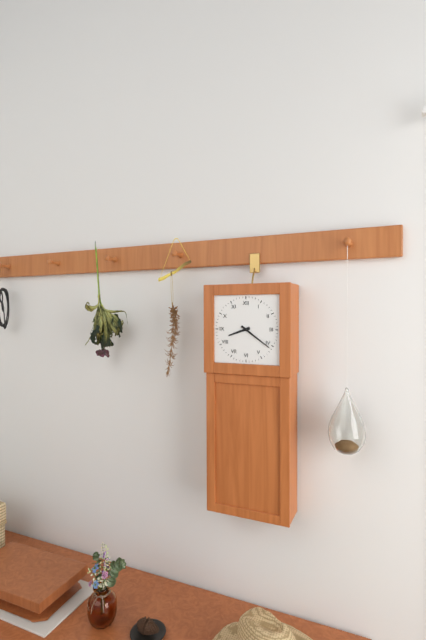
{"hour": 8, "minute": 21}
